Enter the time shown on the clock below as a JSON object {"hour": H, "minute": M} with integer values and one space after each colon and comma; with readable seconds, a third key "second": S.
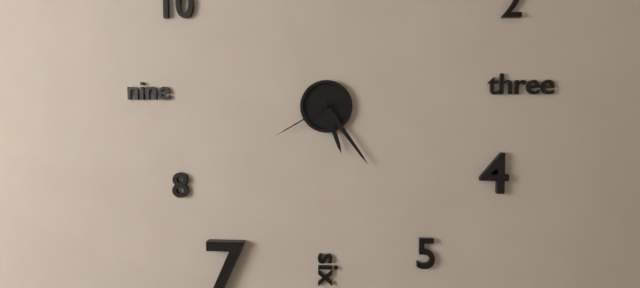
{"hour": 5, "minute": 24, "second": 40}
